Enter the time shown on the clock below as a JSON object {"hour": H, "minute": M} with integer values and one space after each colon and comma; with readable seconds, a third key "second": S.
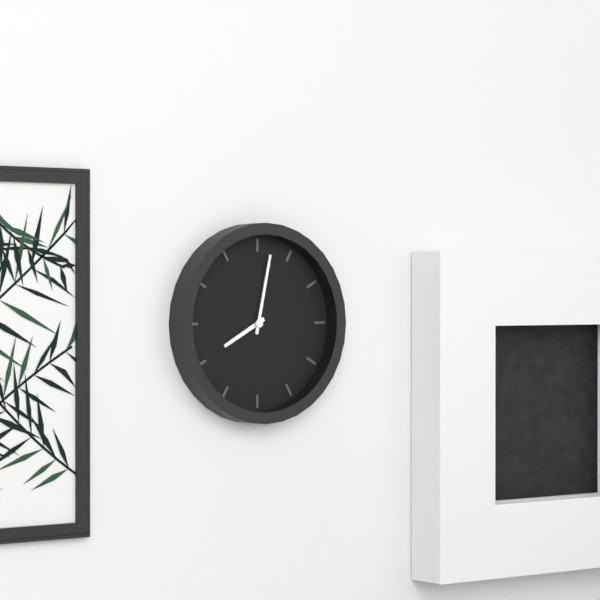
{"hour": 8, "minute": 2}
